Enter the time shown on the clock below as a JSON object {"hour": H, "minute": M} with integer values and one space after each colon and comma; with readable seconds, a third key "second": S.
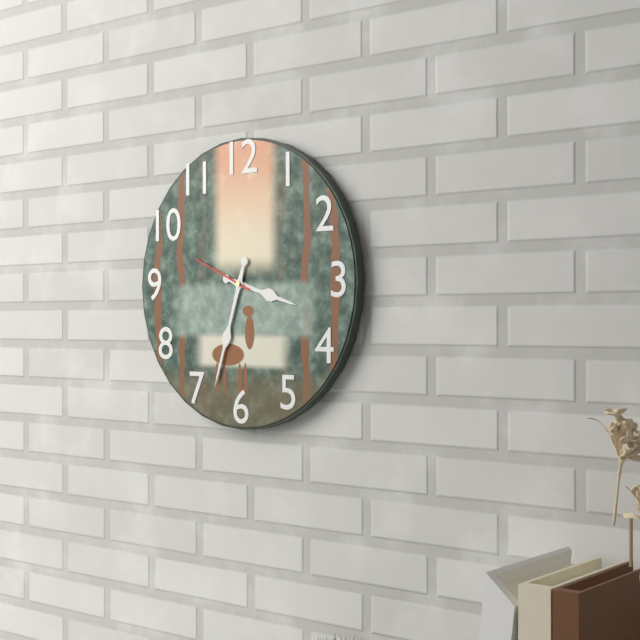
{"hour": 3, "minute": 33, "second": 49}
